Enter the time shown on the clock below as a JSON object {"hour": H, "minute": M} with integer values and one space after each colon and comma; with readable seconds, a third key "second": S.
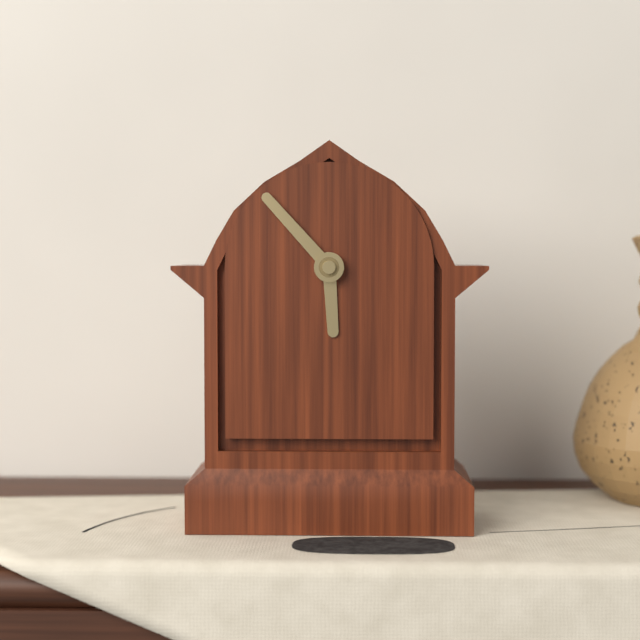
{"hour": 5, "minute": 53}
